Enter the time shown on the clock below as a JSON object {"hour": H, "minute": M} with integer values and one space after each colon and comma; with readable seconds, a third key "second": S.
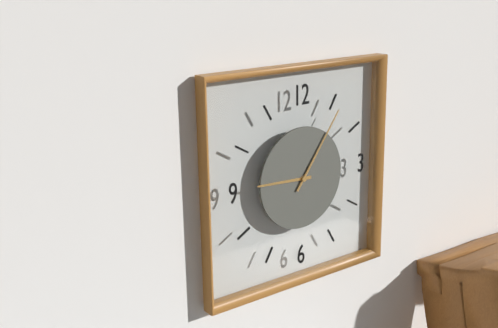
{"hour": 9, "minute": 6}
